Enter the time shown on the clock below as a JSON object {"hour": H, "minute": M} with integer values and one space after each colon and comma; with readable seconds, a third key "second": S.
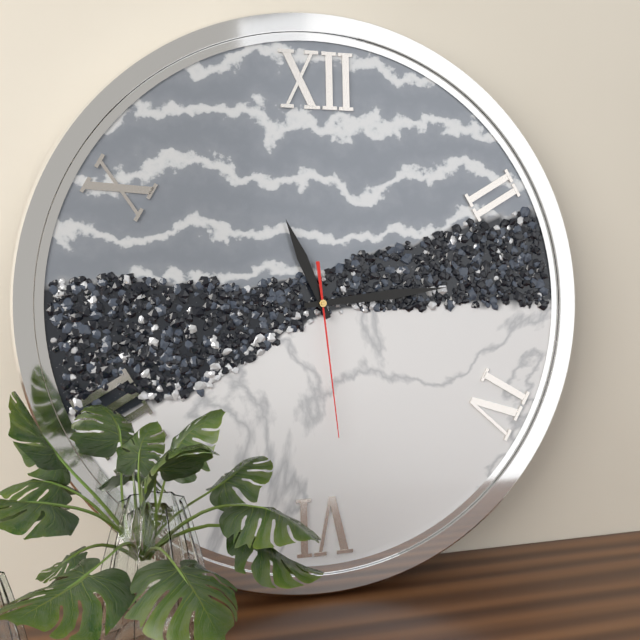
{"hour": 11, "minute": 14, "second": 29}
